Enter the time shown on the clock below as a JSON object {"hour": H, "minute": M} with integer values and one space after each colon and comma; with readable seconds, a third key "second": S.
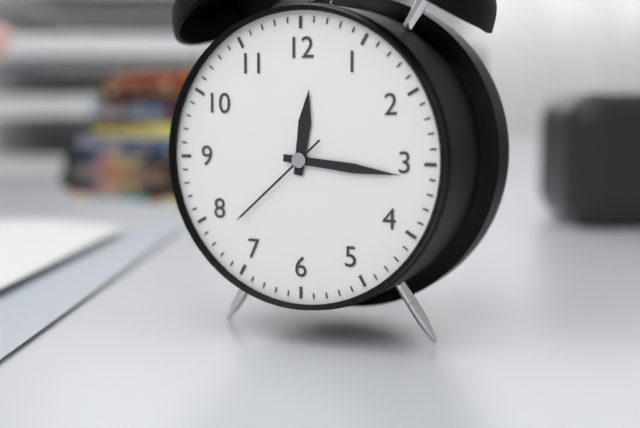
{"hour": 12, "minute": 16, "second": 38}
